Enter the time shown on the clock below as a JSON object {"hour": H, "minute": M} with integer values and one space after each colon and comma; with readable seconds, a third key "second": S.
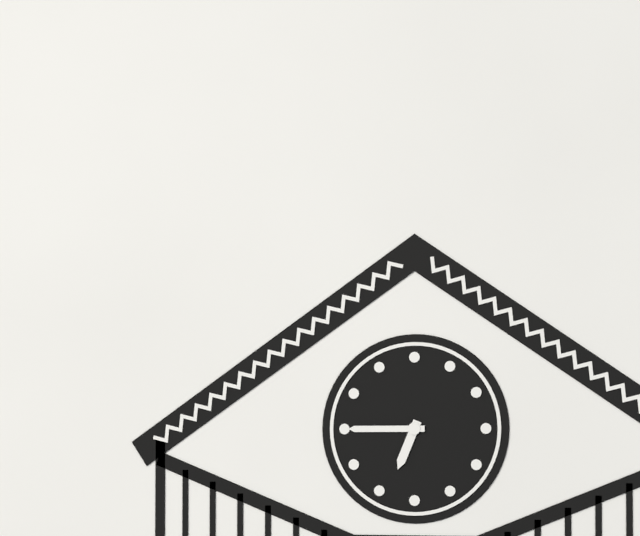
{"hour": 6, "minute": 45}
